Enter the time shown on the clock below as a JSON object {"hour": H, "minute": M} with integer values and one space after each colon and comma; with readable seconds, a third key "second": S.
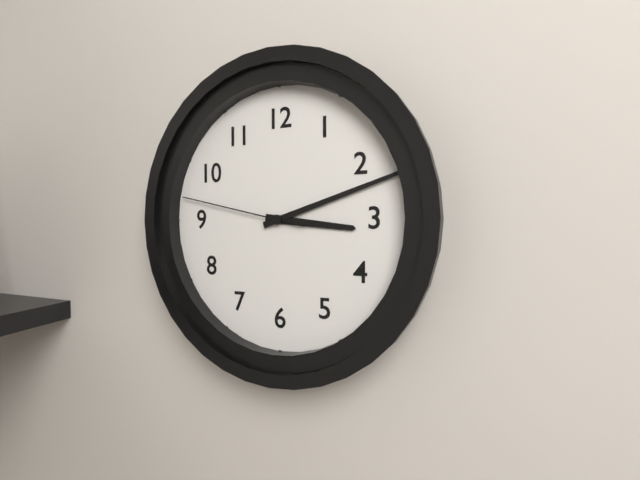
{"hour": 3, "minute": 12, "second": 47}
